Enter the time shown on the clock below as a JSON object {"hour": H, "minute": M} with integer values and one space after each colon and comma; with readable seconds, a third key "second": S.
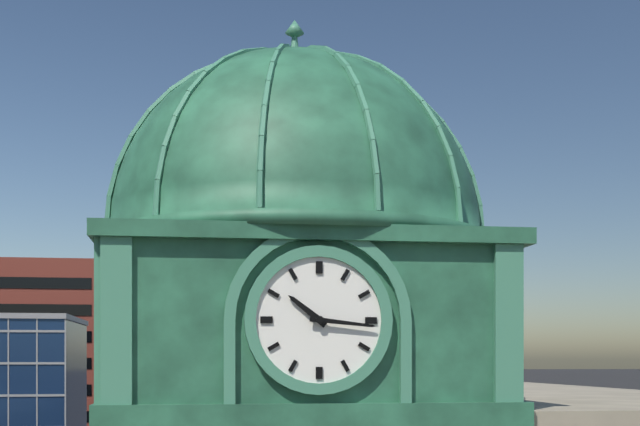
{"hour": 10, "minute": 16}
